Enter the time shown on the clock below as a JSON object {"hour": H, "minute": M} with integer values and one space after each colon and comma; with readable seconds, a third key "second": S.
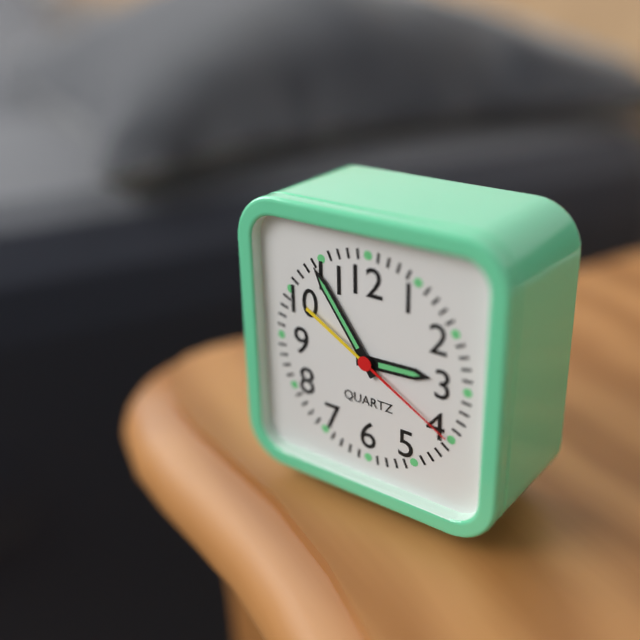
{"hour": 2, "minute": 54, "second": 20}
